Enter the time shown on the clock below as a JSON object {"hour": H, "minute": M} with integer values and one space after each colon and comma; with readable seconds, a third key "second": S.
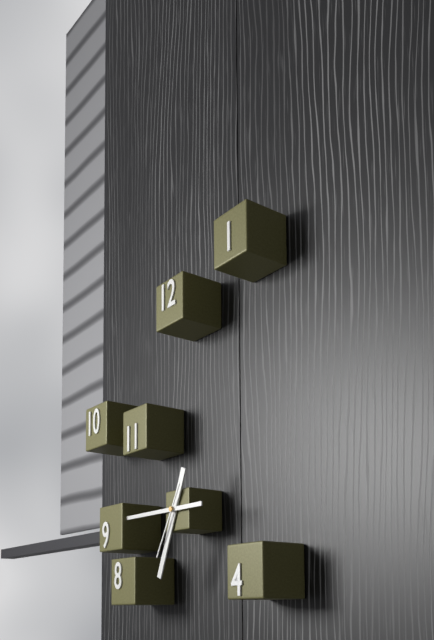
{"hour": 6, "minute": 45, "second": 35}
